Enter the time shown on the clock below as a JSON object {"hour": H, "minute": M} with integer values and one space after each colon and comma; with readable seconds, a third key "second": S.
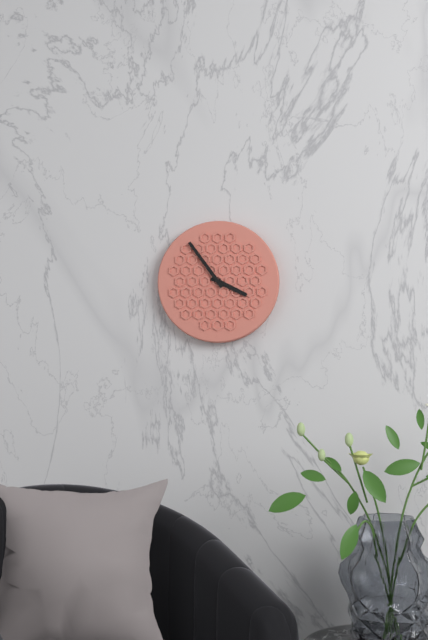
{"hour": 3, "minute": 54}
